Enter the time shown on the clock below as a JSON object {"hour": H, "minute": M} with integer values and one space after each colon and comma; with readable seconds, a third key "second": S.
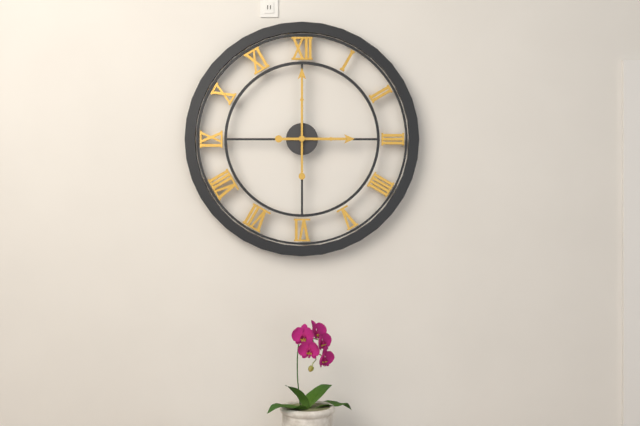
{"hour": 3, "minute": 0}
